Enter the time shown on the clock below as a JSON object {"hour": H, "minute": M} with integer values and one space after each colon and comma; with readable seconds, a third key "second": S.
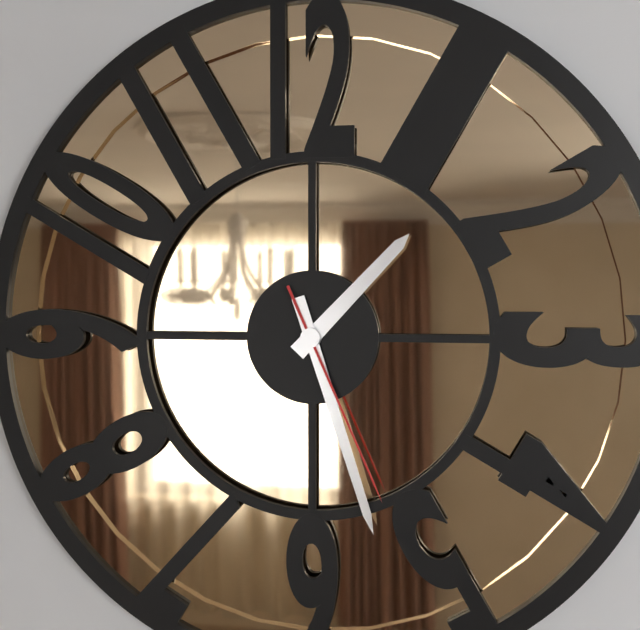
{"hour": 1, "minute": 27, "second": 26}
